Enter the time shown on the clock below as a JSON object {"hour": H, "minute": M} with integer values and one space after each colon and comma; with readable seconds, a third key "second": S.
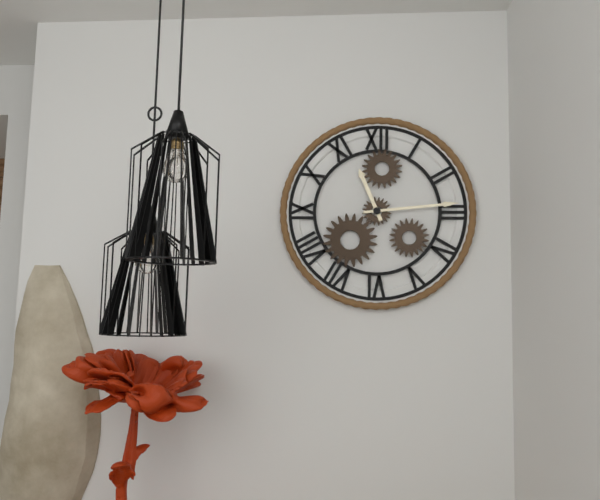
{"hour": 11, "minute": 14}
